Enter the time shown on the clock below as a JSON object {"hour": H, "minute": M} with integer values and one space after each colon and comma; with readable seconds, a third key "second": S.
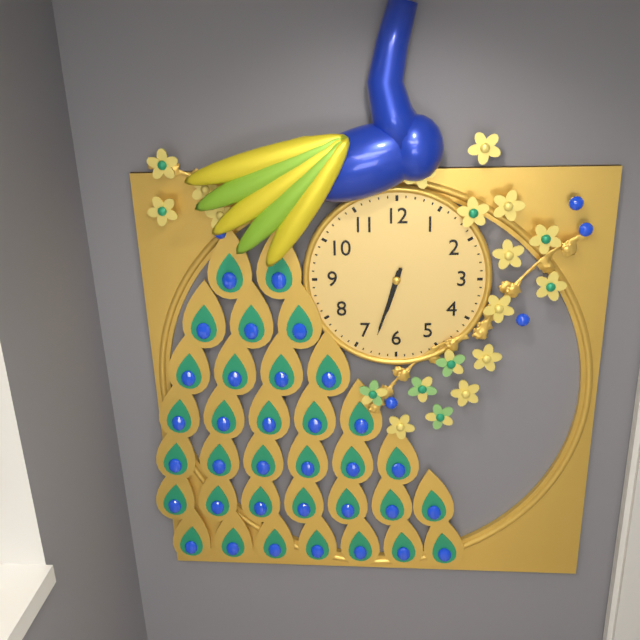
{"hour": 6, "minute": 33}
